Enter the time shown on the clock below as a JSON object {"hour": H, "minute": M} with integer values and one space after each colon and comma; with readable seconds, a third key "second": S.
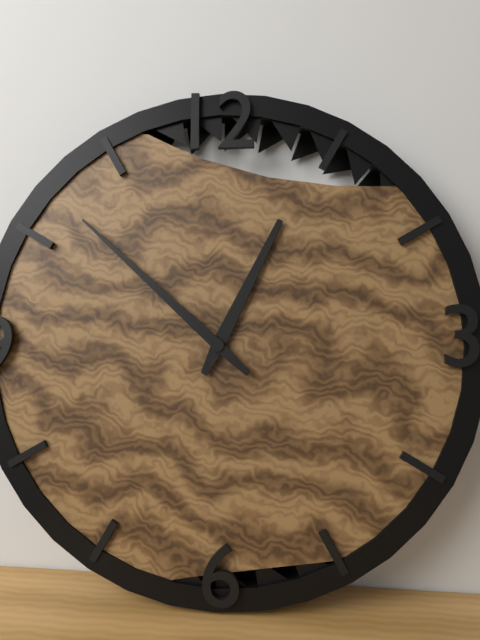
{"hour": 12, "minute": 52}
